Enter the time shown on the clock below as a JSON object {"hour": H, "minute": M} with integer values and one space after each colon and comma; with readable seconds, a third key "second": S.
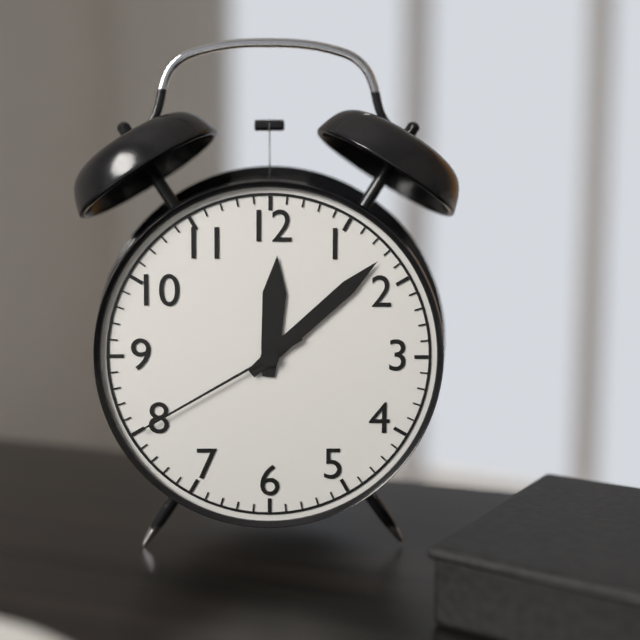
{"hour": 12, "minute": 8, "second": 40}
